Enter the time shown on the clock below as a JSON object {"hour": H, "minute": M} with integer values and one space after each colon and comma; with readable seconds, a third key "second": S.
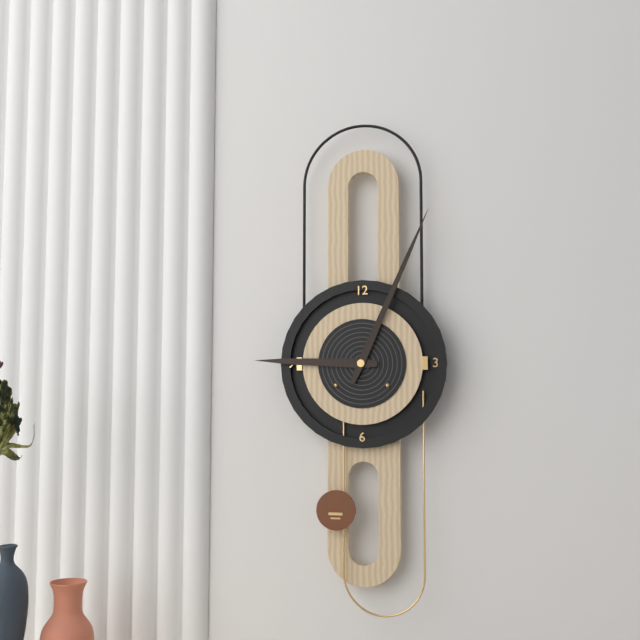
{"hour": 9, "minute": 4}
